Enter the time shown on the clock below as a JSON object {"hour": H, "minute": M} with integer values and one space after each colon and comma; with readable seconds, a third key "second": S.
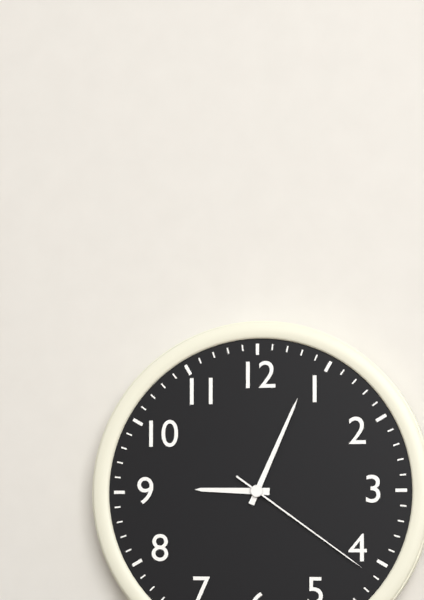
{"hour": 9, "minute": 4, "second": 21}
